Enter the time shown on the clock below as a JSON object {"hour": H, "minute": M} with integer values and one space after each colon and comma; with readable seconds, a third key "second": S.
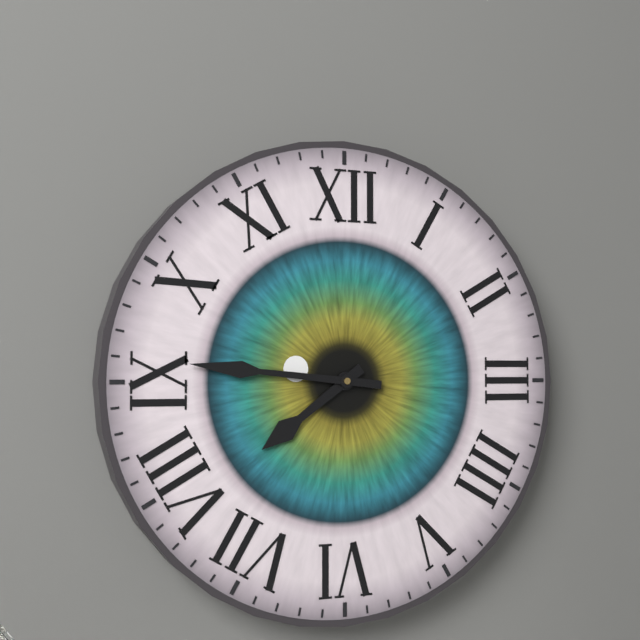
{"hour": 7, "minute": 46}
